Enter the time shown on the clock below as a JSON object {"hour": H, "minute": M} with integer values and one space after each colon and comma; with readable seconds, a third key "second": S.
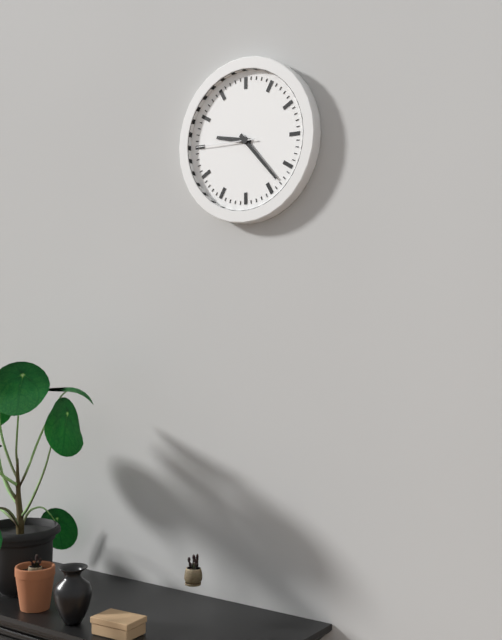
{"hour": 9, "minute": 23, "second": 45}
